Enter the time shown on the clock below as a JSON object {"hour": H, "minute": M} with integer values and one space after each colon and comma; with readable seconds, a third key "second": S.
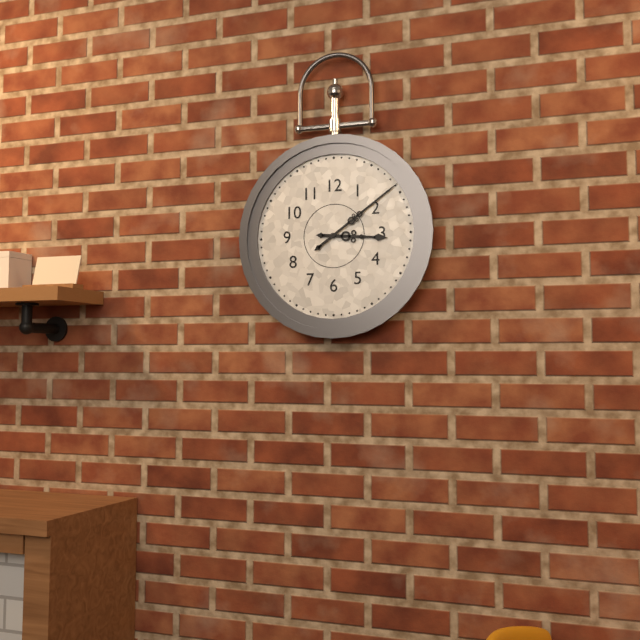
{"hour": 3, "minute": 9}
